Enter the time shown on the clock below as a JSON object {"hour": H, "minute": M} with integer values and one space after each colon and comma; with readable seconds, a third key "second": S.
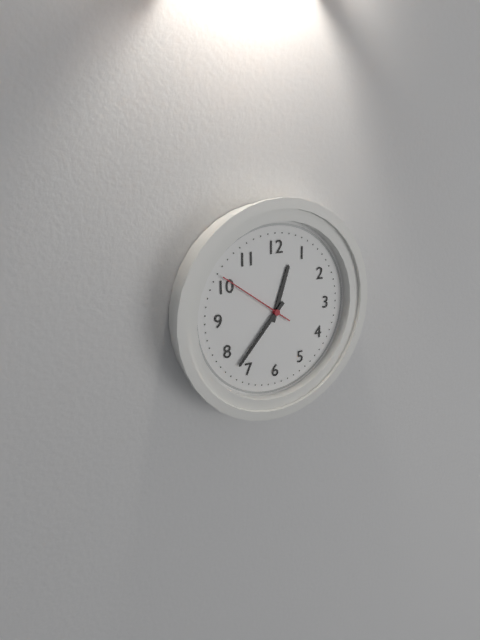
{"hour": 12, "minute": 37, "second": 51}
